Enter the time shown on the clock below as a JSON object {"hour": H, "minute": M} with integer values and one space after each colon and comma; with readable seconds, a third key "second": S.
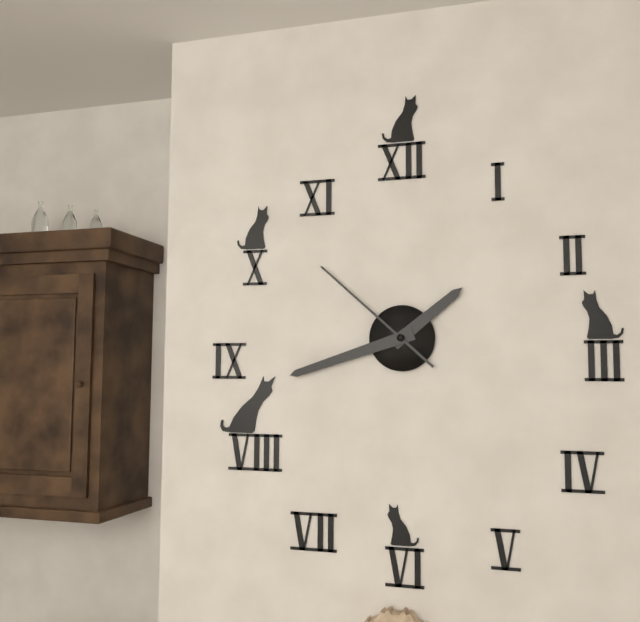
{"hour": 1, "minute": 42, "second": 52}
